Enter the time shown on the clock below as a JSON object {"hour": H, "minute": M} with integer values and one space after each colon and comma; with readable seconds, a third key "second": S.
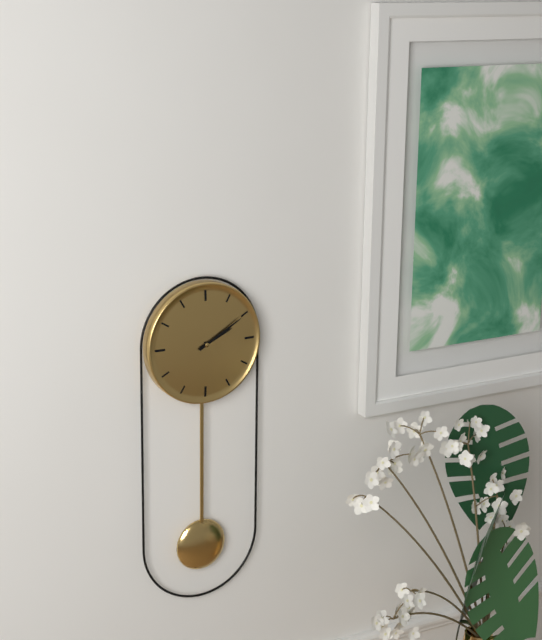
{"hour": 2, "minute": 10}
